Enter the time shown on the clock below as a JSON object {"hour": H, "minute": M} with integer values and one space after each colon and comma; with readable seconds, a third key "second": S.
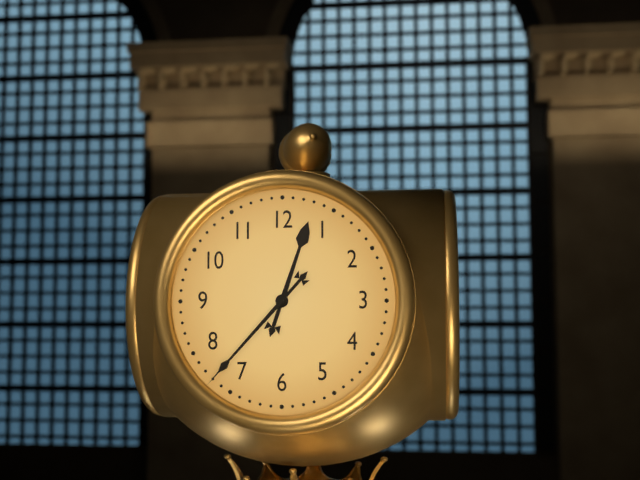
{"hour": 12, "minute": 37}
